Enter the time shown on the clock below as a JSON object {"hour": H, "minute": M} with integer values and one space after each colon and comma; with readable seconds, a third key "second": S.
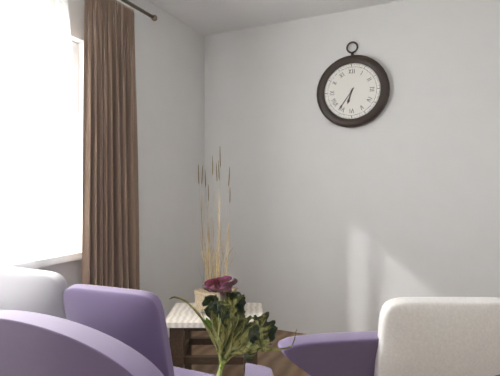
{"hour": 6, "minute": 36}
